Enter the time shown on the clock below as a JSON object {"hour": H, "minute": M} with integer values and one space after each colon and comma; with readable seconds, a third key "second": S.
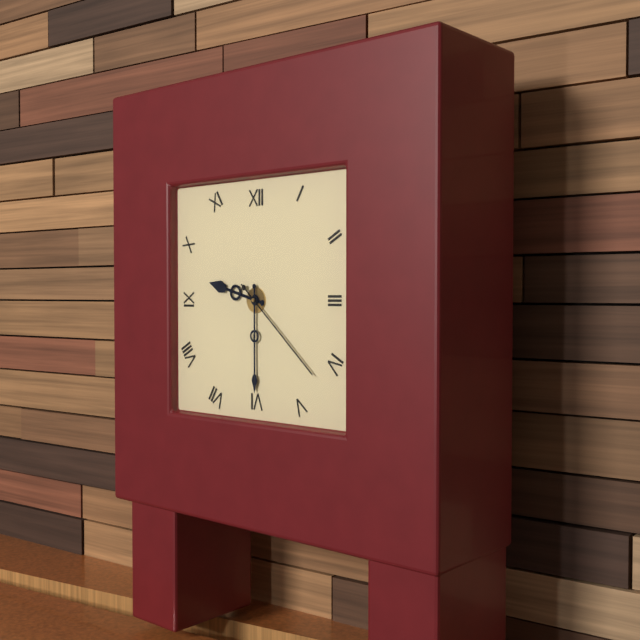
{"hour": 9, "minute": 30, "second": 22}
